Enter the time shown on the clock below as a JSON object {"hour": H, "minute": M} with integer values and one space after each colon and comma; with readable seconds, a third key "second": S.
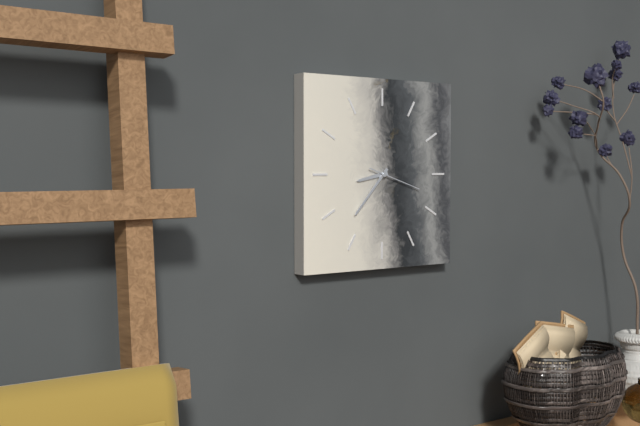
{"hour": 8, "minute": 37}
